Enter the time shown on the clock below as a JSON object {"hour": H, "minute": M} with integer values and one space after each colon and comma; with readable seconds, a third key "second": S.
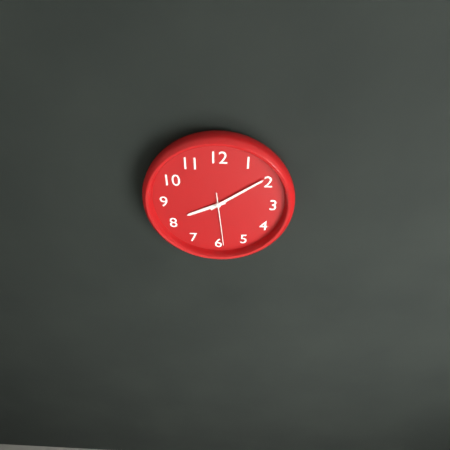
{"hour": 8, "minute": 9, "second": 29}
